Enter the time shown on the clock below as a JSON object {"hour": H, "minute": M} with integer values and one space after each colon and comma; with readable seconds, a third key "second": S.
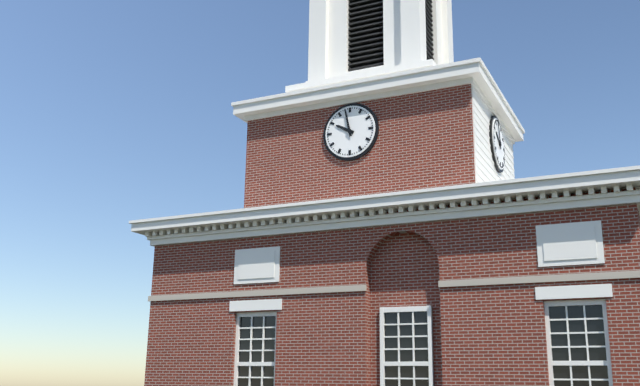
{"hour": 9, "minute": 58}
